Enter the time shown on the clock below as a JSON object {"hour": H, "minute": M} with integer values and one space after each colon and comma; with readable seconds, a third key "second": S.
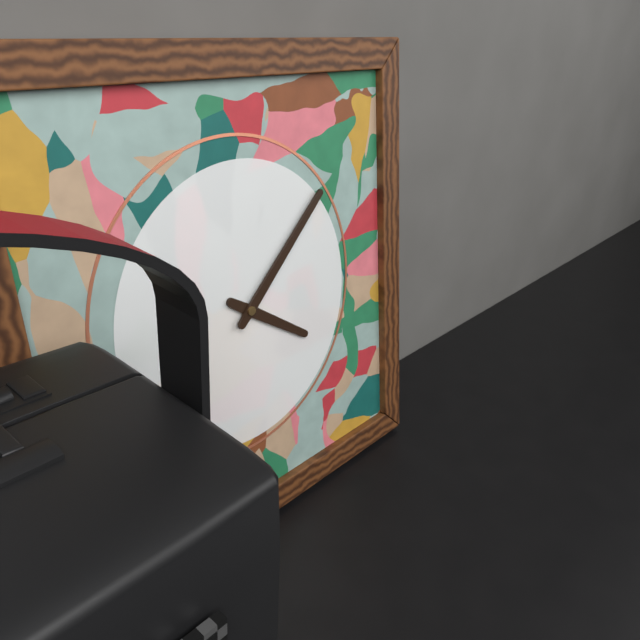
{"hour": 4, "minute": 8}
